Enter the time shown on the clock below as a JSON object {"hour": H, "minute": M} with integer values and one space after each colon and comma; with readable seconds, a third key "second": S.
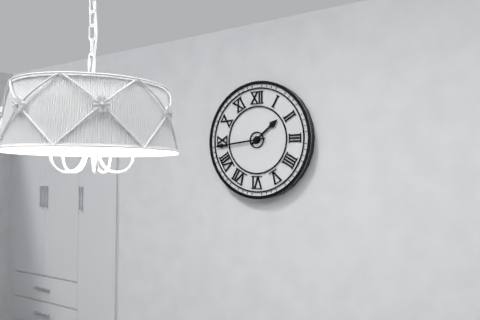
{"hour": 1, "minute": 44}
